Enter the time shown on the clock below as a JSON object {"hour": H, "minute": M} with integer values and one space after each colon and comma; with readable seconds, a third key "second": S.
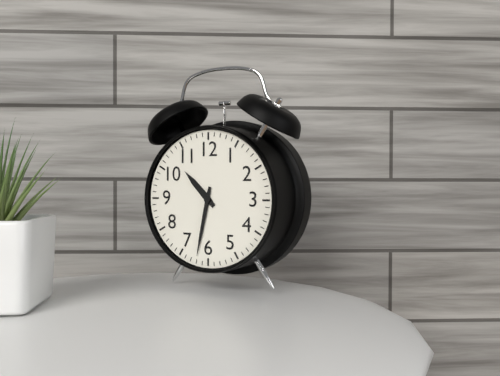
{"hour": 10, "minute": 32}
